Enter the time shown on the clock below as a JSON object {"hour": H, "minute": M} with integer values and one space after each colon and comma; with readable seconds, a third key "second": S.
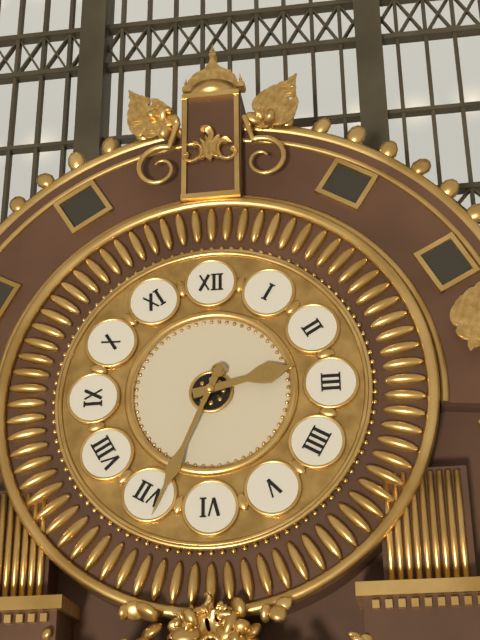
{"hour": 2, "minute": 34}
